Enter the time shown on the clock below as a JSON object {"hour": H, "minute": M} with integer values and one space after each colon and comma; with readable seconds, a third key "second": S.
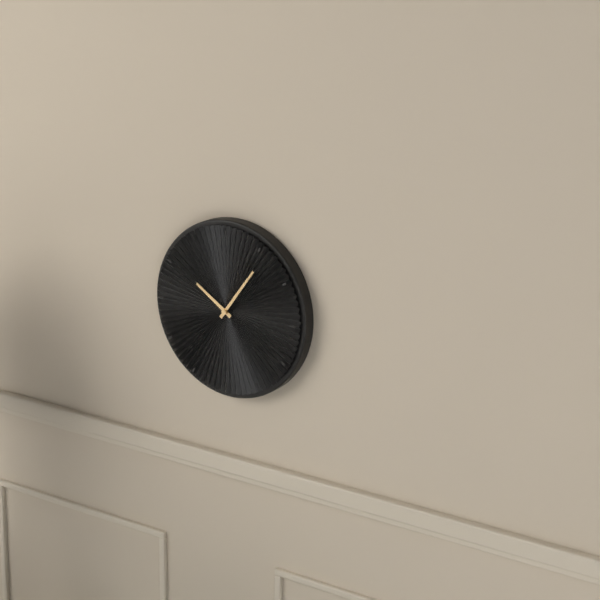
{"hour": 10, "minute": 6}
